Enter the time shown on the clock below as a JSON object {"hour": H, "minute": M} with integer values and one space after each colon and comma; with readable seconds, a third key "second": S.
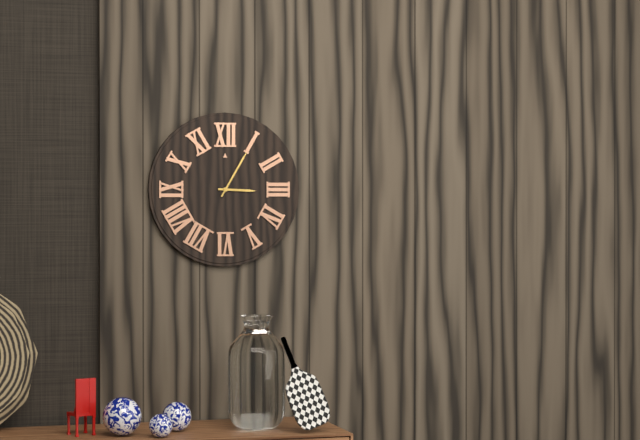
{"hour": 3, "minute": 5}
